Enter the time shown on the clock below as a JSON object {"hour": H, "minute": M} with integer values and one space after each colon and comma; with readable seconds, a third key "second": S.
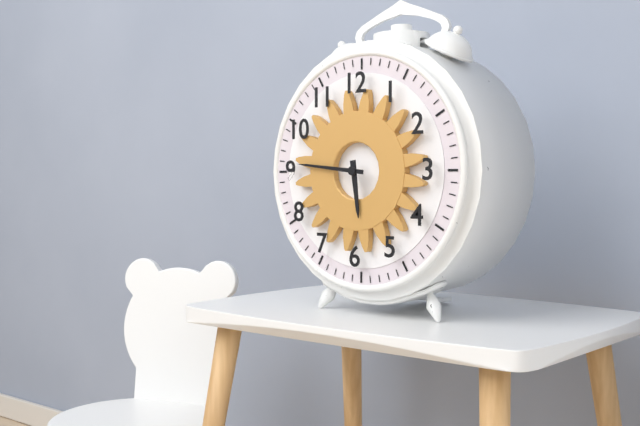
{"hour": 5, "minute": 46}
